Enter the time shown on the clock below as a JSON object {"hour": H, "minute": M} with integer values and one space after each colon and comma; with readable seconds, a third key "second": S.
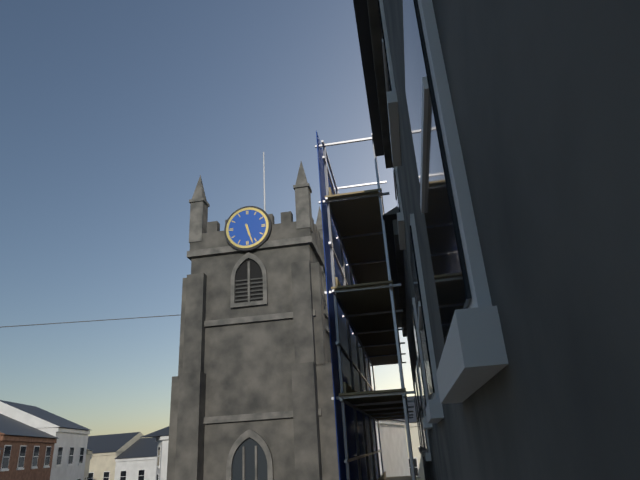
{"hour": 5, "minute": 27}
